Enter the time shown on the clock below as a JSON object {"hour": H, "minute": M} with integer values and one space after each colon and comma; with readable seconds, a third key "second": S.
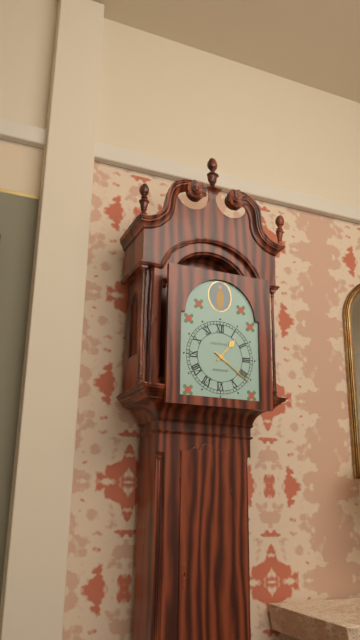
{"hour": 1, "minute": 21}
